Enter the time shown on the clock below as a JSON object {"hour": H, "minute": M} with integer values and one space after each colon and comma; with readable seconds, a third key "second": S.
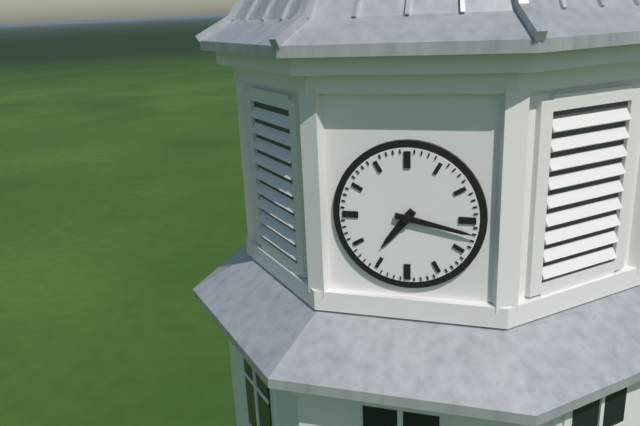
{"hour": 7, "minute": 17}
